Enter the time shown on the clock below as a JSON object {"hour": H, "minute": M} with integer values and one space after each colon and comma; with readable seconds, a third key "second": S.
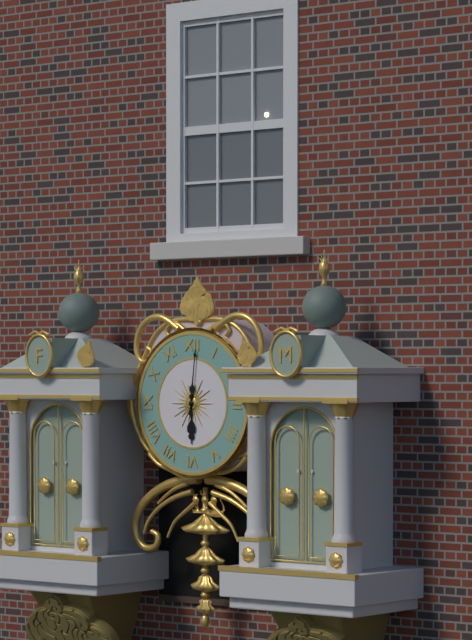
{"hour": 6, "minute": 1}
